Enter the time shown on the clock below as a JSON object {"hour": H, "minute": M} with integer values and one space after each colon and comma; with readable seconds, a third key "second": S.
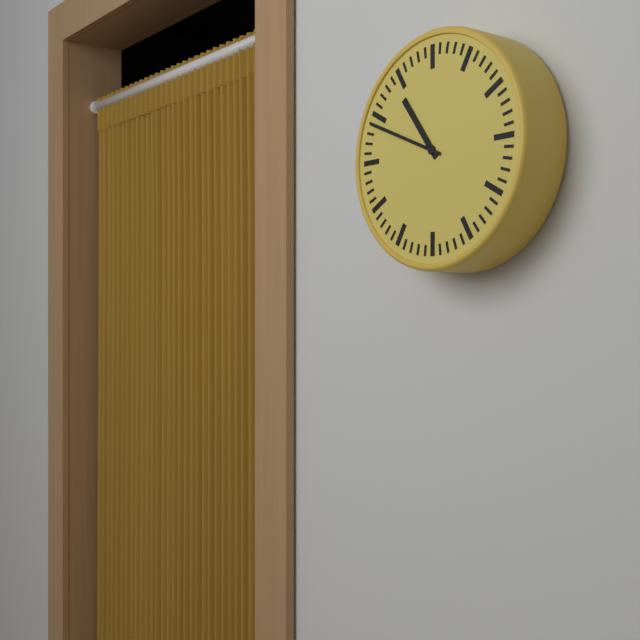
{"hour": 10, "minute": 49}
